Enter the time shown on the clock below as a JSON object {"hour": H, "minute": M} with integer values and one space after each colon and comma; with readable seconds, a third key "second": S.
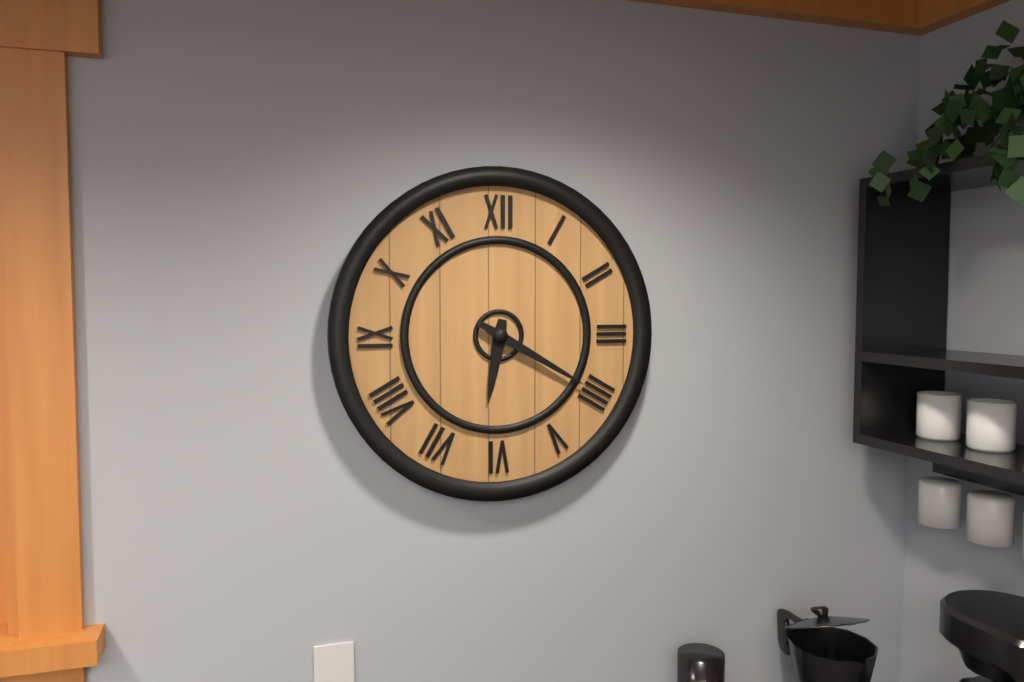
{"hour": 6, "minute": 20}
